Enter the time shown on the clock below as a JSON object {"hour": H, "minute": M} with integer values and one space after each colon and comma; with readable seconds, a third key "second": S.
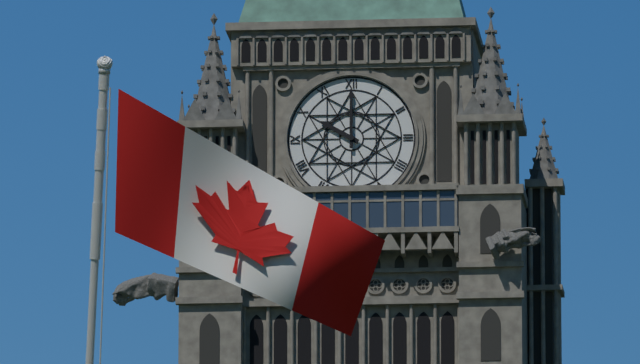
{"hour": 10, "minute": 0}
